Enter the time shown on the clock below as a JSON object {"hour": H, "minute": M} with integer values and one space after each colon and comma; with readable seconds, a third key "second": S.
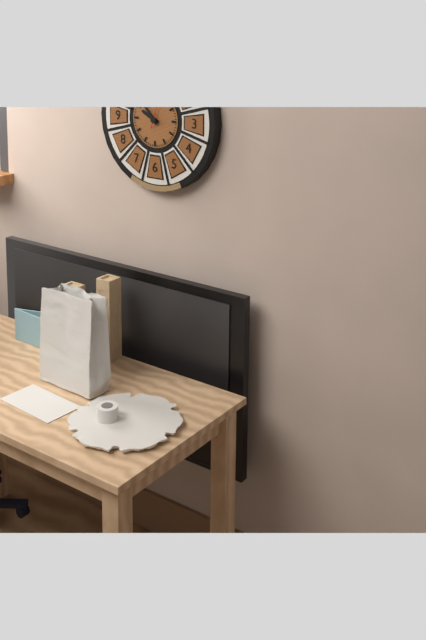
{"hour": 9, "minute": 53}
